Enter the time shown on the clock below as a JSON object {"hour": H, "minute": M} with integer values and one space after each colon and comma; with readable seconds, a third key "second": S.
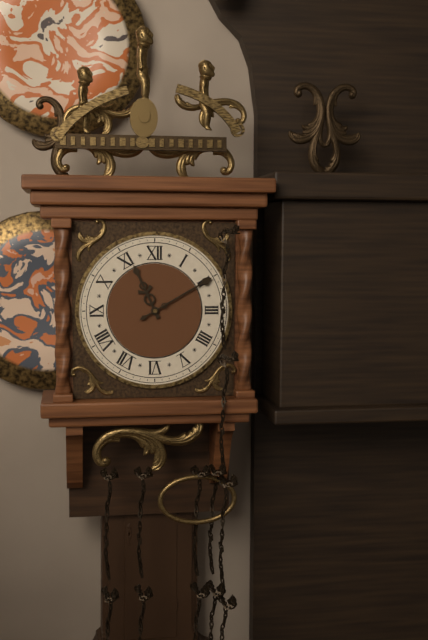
{"hour": 11, "minute": 10}
